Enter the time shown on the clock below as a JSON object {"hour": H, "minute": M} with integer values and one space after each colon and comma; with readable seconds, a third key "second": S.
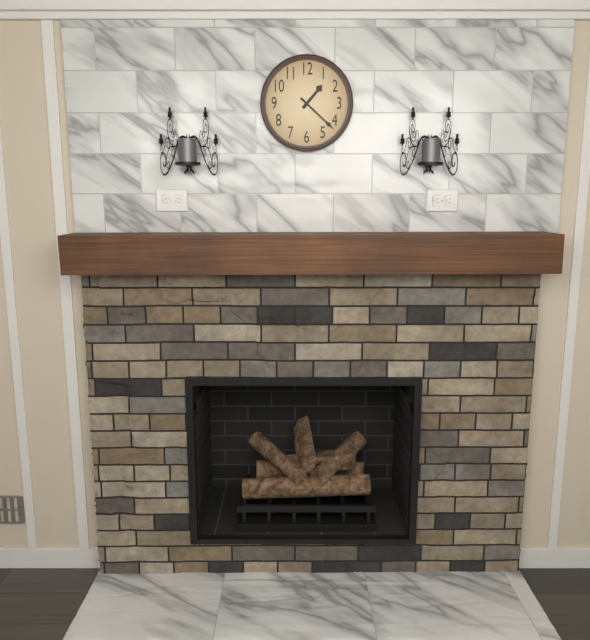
{"hour": 1, "minute": 22}
